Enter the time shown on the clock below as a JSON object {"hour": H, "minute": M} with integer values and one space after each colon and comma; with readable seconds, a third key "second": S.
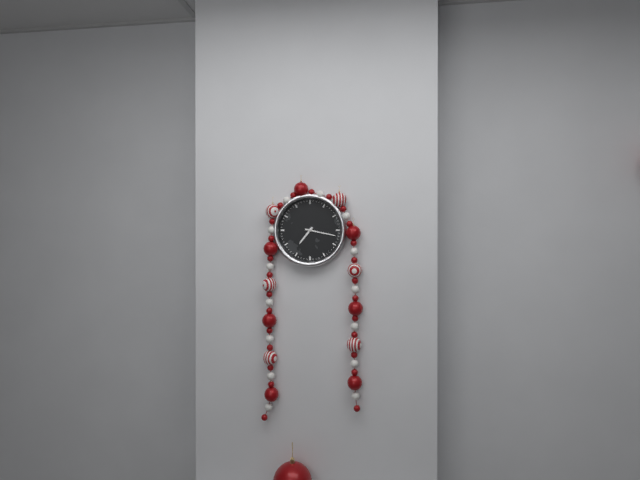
{"hour": 7, "minute": 17}
